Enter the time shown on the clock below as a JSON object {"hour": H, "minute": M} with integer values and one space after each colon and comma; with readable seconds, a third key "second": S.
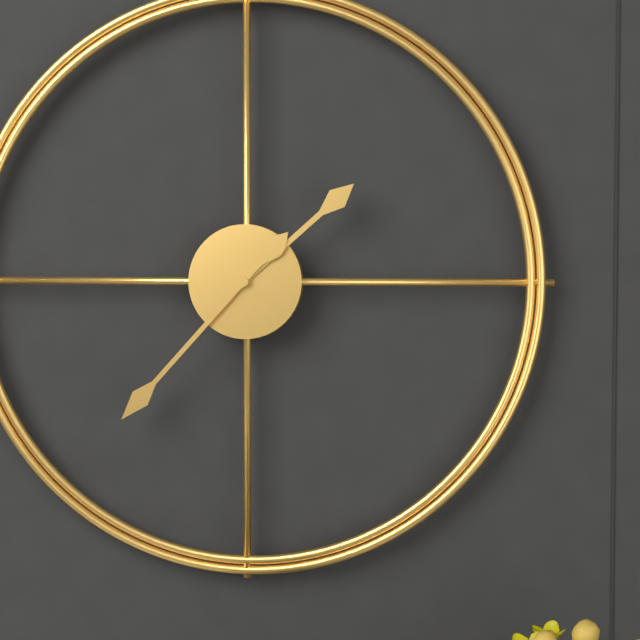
{"hour": 1, "minute": 37}
